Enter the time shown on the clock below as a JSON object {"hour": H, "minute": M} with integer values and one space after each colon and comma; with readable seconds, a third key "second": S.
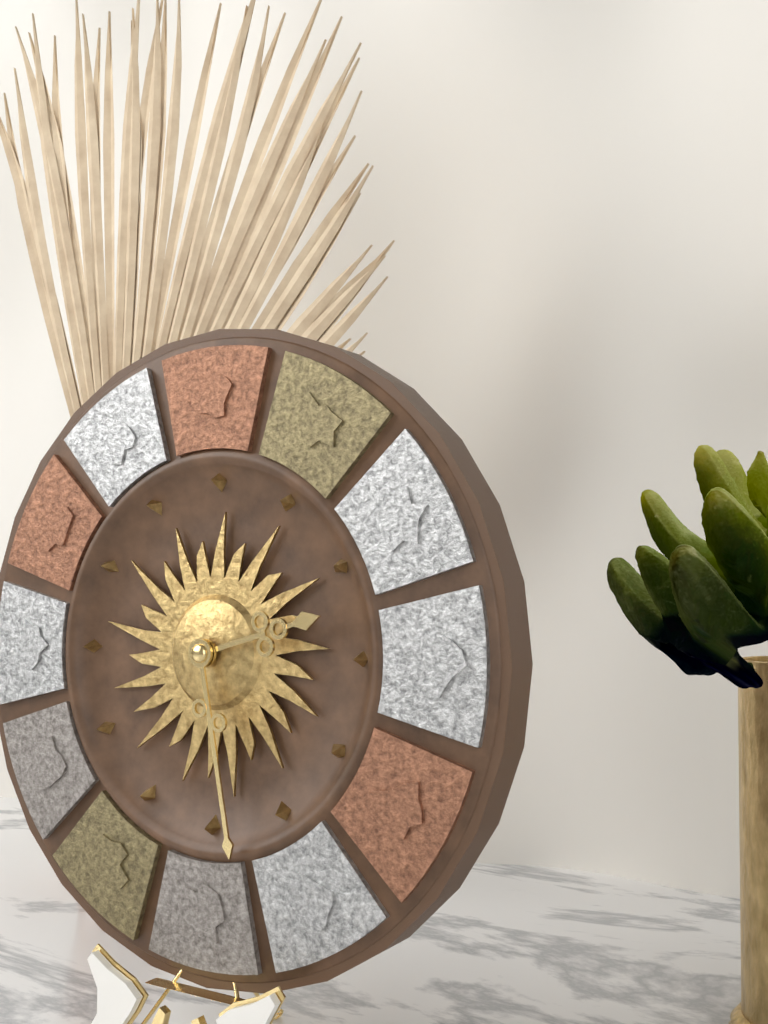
{"hour": 2, "minute": 28}
